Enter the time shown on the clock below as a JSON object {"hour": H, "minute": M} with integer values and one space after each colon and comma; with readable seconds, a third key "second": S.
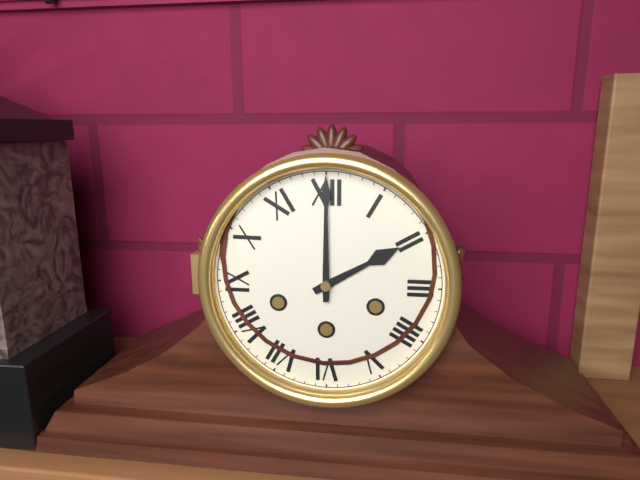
{"hour": 2, "minute": 0}
